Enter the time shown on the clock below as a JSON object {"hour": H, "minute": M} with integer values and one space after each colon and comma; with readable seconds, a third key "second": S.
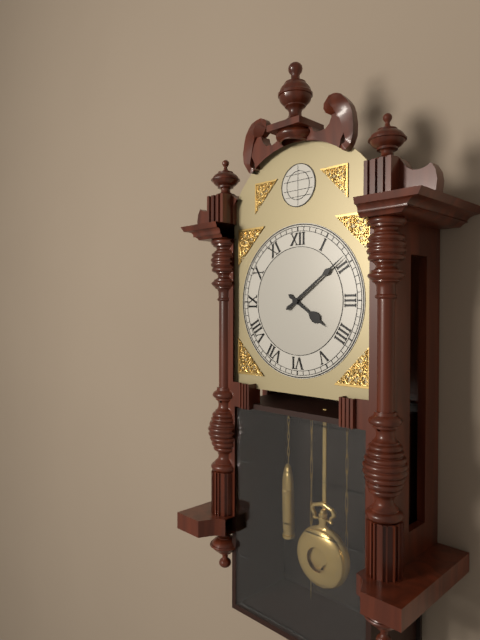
{"hour": 4, "minute": 9}
